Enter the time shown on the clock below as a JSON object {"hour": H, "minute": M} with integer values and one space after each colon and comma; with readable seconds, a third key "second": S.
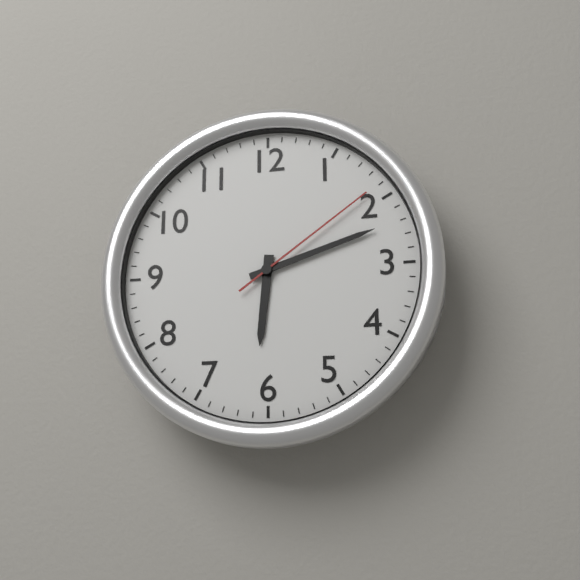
{"hour": 6, "minute": 12, "second": 9}
